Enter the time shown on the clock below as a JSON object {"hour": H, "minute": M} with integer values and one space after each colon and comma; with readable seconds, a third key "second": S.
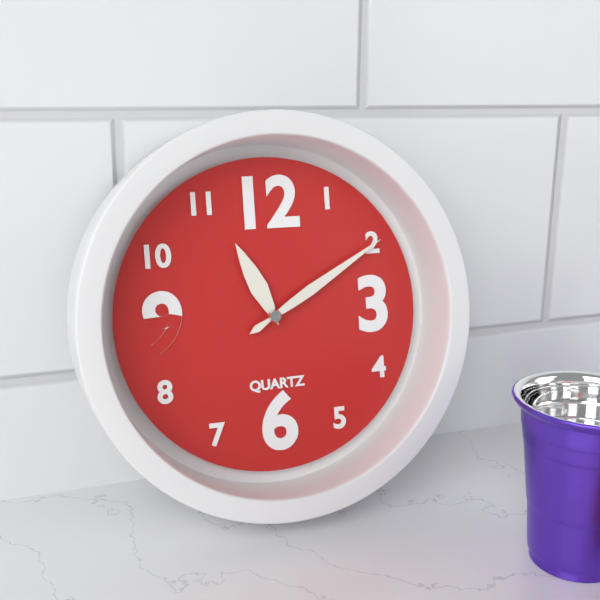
{"hour": 11, "minute": 10}
